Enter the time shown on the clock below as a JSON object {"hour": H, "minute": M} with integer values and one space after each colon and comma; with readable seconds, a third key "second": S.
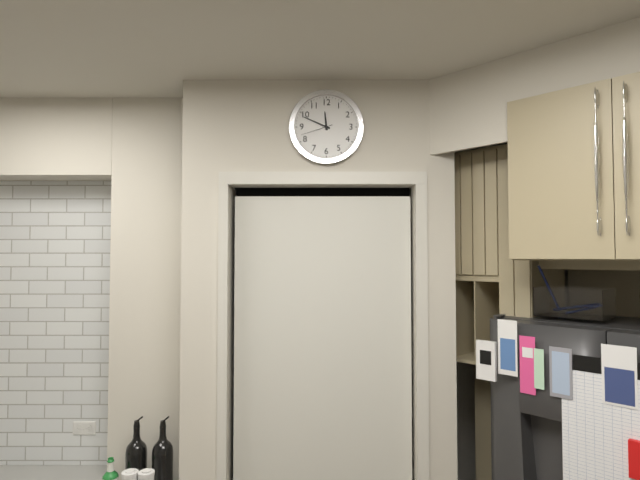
{"hour": 11, "minute": 49}
